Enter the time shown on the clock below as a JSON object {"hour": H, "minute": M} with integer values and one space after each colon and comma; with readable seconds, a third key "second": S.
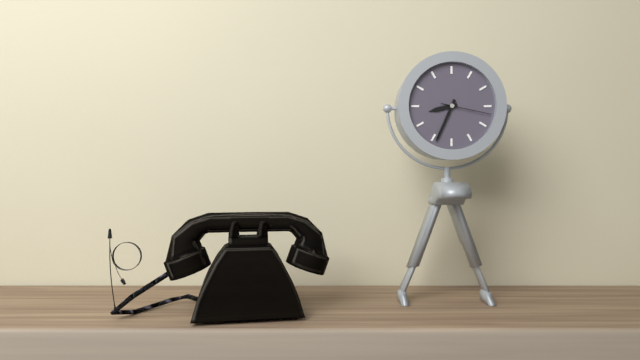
{"hour": 8, "minute": 34, "second": 17}
